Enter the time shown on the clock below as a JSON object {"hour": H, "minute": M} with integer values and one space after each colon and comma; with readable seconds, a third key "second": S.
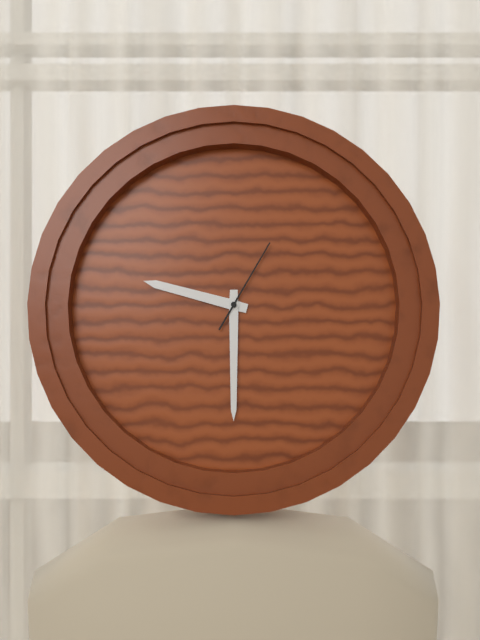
{"hour": 9, "minute": 30, "second": 5}
